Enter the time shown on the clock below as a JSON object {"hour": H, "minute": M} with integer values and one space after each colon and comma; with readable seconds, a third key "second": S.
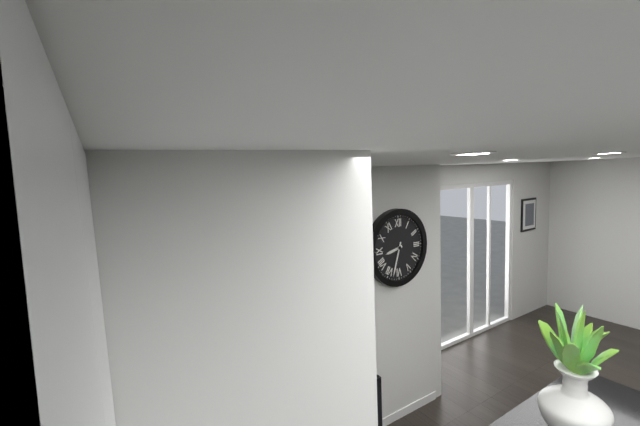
{"hour": 8, "minute": 33}
